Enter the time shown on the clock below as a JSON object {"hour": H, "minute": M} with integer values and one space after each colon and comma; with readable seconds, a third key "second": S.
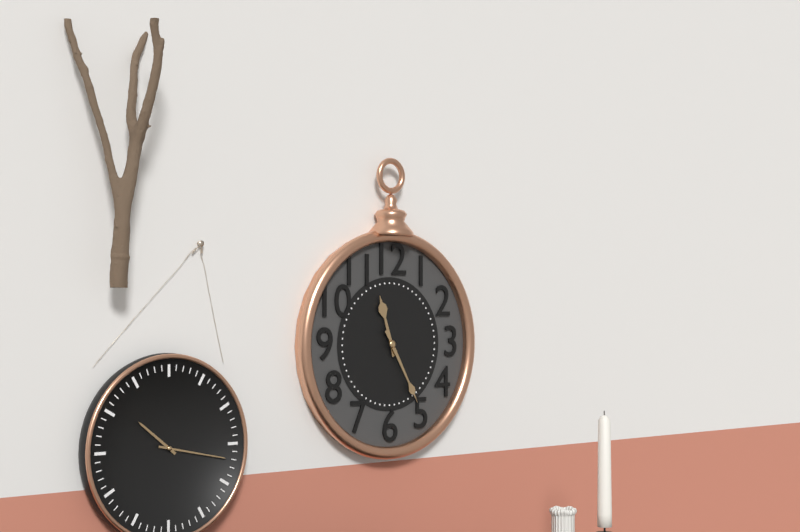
{"hour": 11, "minute": 25}
